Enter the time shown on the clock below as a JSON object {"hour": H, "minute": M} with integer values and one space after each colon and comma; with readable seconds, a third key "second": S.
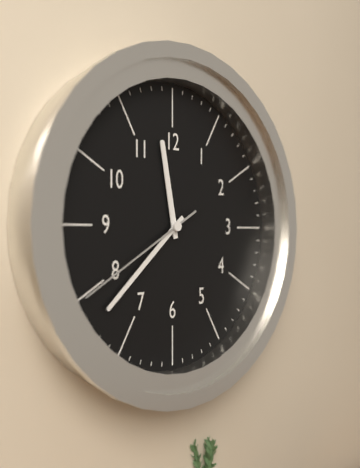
{"hour": 11, "minute": 38, "second": 40}
